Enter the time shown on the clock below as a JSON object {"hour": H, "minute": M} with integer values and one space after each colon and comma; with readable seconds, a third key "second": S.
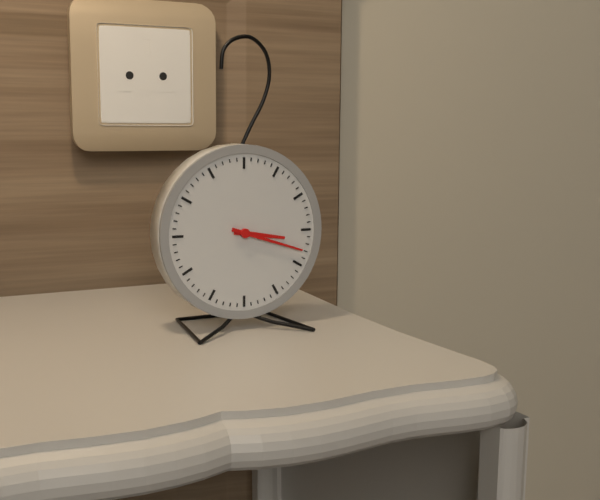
{"hour": 3, "minute": 18}
